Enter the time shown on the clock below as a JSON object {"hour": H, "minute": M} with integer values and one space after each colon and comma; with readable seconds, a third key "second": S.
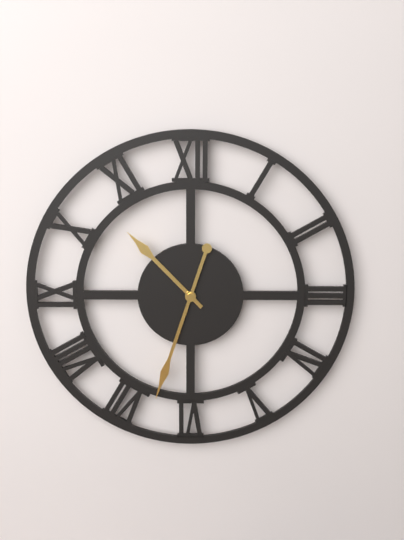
{"hour": 10, "minute": 33}
